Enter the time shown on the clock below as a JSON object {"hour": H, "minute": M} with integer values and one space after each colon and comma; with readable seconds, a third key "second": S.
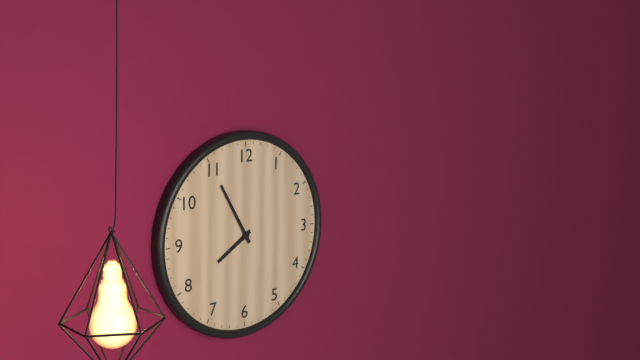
{"hour": 7, "minute": 55}
